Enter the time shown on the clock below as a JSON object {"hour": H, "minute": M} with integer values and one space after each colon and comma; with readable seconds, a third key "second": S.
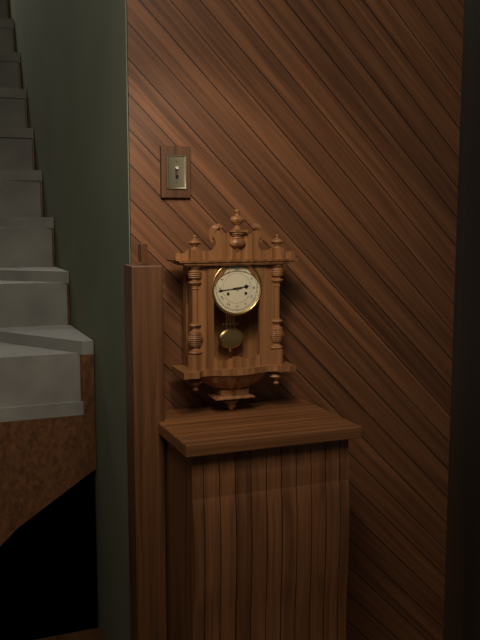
{"hour": 2, "minute": 44}
